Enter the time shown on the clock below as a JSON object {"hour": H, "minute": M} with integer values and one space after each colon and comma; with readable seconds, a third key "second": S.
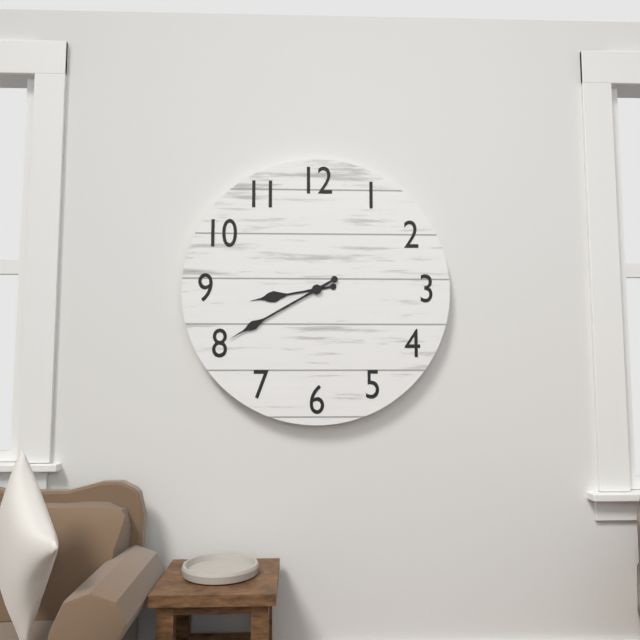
{"hour": 8, "minute": 40}
